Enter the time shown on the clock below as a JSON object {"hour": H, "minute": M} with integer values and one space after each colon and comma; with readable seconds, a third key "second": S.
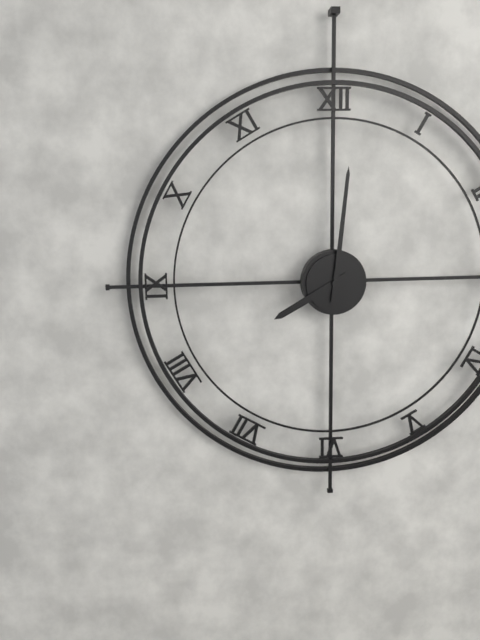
{"hour": 8, "minute": 1}
